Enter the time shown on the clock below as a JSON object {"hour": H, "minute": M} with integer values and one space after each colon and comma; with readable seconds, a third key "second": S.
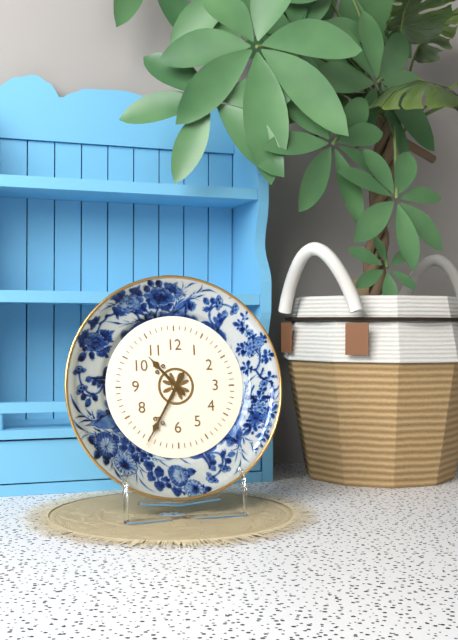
{"hour": 10, "minute": 35}
